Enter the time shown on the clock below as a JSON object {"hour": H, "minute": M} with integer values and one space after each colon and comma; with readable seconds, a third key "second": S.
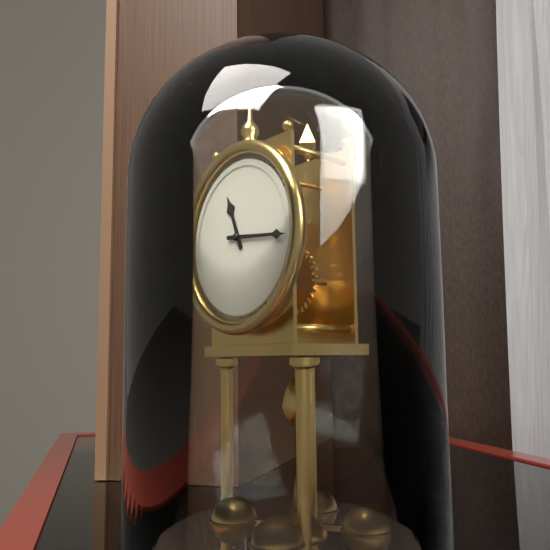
{"hour": 11, "minute": 16}
